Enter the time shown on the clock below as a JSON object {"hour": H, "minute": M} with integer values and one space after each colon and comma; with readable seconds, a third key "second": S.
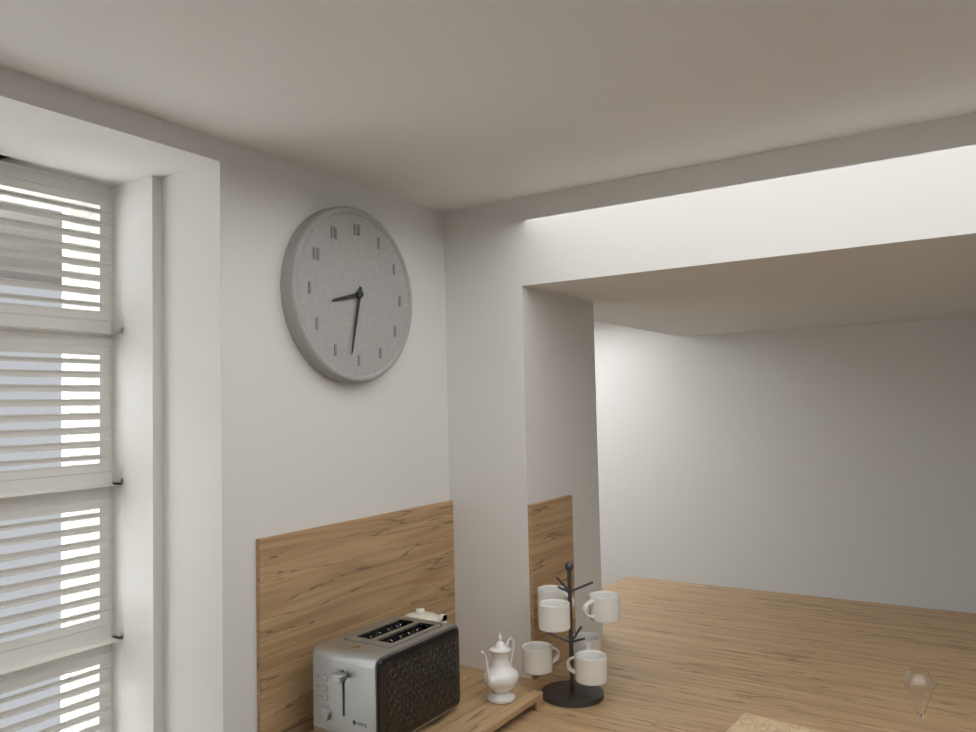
{"hour": 8, "minute": 32}
